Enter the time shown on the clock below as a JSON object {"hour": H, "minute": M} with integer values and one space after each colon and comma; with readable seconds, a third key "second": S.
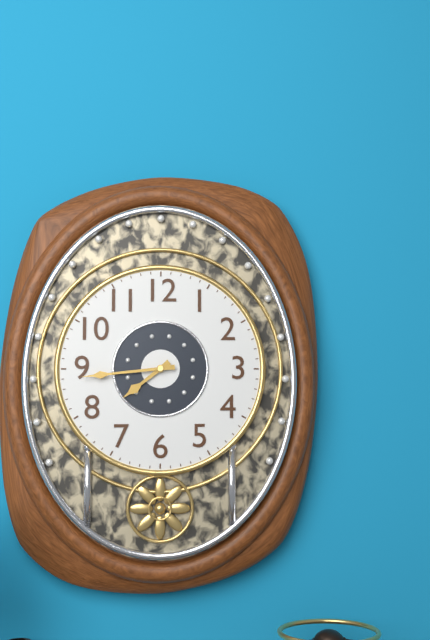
{"hour": 7, "minute": 44}
